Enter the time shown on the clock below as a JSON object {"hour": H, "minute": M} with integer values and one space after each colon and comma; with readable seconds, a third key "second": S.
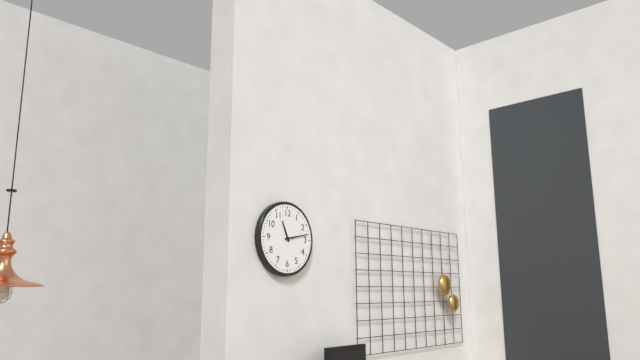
{"hour": 11, "minute": 13}
